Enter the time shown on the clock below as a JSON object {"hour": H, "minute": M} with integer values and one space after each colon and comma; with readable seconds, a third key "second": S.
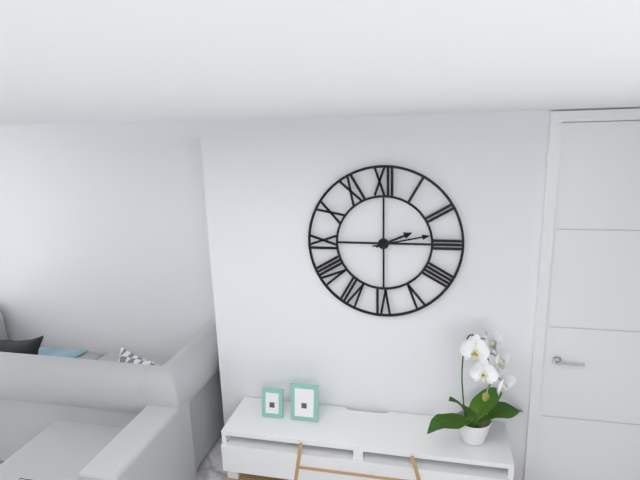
{"hour": 2, "minute": 13}
